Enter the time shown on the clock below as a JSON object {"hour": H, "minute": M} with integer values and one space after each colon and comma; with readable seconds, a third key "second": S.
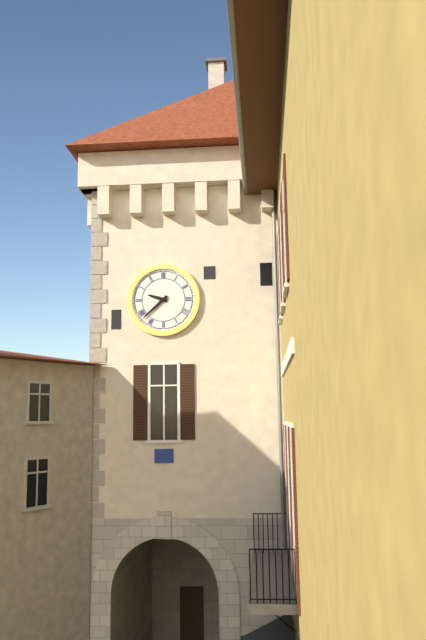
{"hour": 9, "minute": 38}
